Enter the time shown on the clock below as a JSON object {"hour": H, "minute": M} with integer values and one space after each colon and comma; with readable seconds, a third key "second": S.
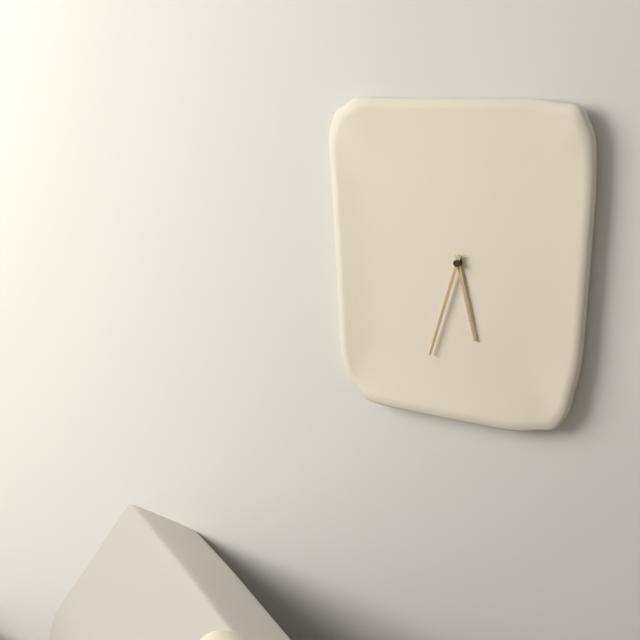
{"hour": 5, "minute": 33}
